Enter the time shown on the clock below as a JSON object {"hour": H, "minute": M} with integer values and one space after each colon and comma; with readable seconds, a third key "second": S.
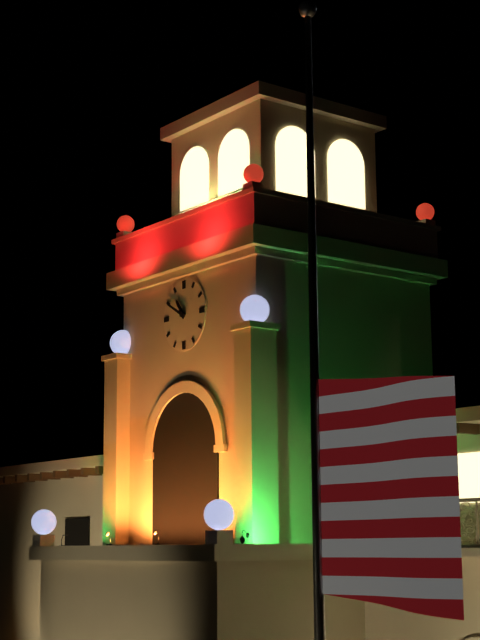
{"hour": 10, "minute": 50}
